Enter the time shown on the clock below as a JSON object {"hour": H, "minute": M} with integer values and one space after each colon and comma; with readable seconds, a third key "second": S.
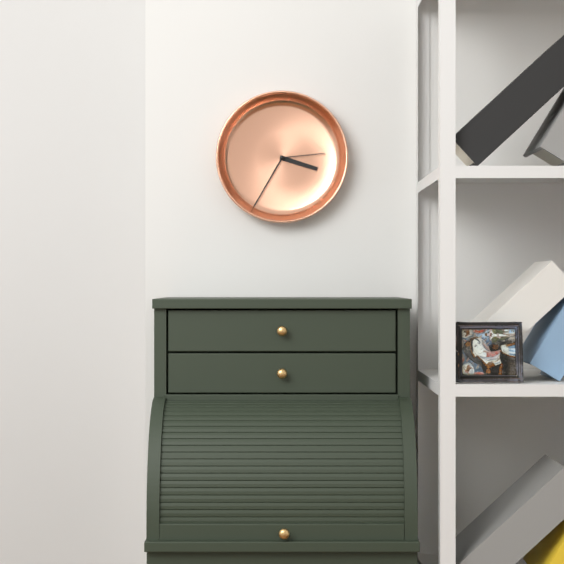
{"hour": 3, "minute": 35, "second": 14}
